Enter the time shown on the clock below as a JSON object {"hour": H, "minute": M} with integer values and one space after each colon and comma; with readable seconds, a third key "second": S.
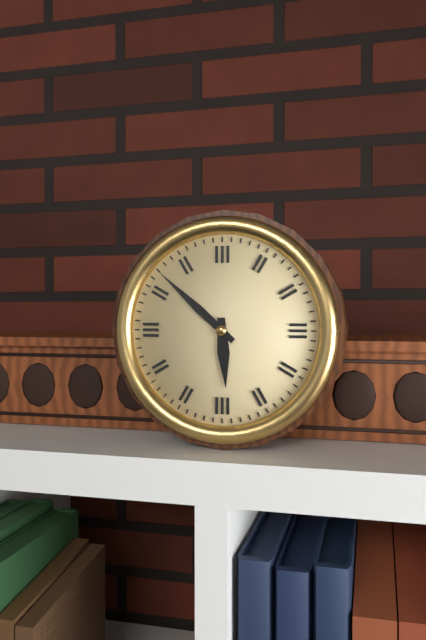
{"hour": 5, "minute": 52}
